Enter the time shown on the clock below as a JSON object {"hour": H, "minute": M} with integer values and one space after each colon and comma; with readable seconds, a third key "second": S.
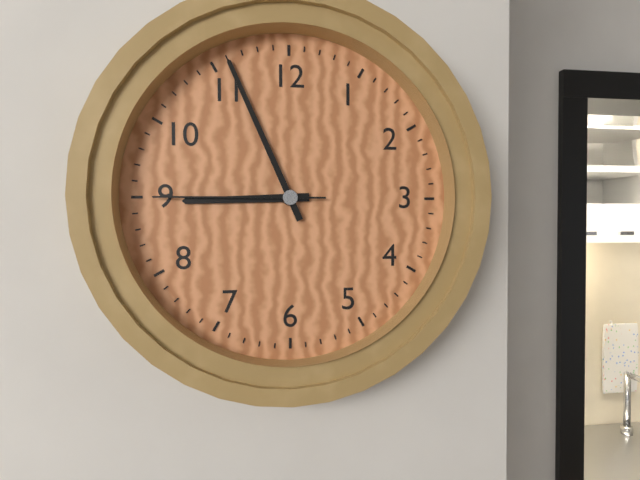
{"hour": 8, "minute": 56, "second": 45}
